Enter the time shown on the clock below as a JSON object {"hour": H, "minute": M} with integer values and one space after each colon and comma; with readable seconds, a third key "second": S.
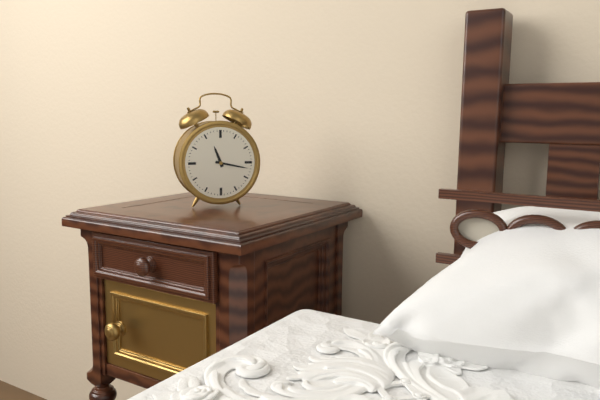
{"hour": 11, "minute": 17}
